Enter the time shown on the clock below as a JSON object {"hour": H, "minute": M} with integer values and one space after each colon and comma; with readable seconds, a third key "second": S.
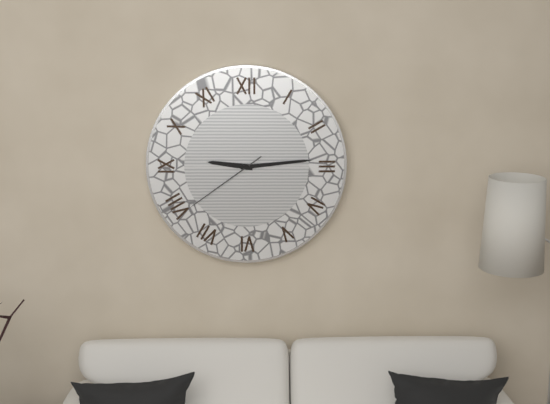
{"hour": 9, "minute": 14, "second": 39}
